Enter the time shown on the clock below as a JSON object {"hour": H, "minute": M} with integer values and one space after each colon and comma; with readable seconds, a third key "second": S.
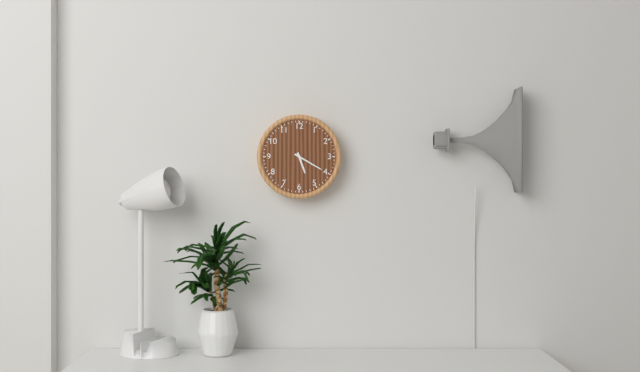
{"hour": 5, "minute": 20}
